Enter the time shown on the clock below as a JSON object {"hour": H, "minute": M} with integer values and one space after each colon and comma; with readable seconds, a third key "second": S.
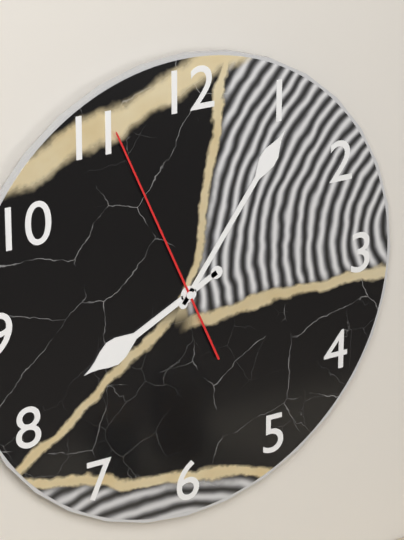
{"hour": 8, "minute": 6, "second": 56}
